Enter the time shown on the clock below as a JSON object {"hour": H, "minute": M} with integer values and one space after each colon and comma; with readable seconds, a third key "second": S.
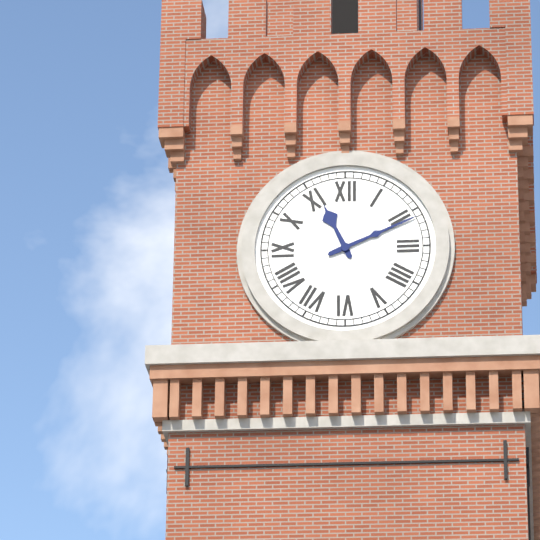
{"hour": 11, "minute": 11}
